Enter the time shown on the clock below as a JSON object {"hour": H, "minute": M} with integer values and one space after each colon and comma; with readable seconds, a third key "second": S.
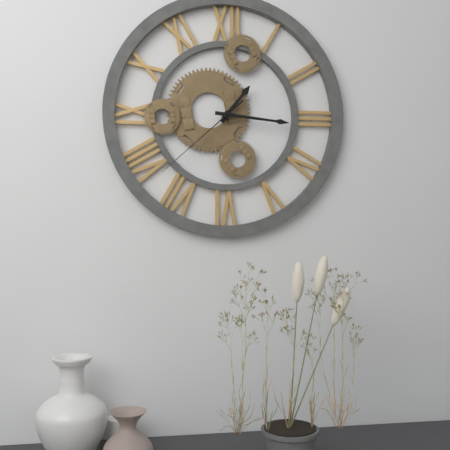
{"hour": 1, "minute": 16, "second": 38}
